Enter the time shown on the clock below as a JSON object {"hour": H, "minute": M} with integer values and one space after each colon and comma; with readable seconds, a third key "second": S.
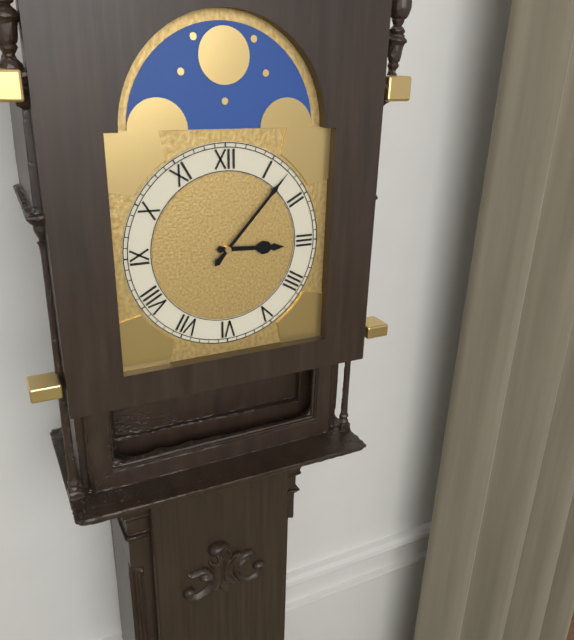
{"hour": 3, "minute": 7}
